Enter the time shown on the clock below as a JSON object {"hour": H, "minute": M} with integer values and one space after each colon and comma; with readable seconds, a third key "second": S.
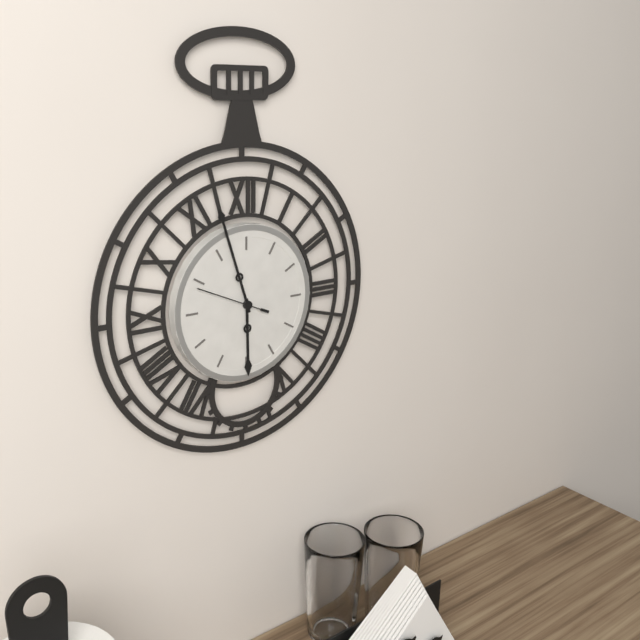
{"hour": 5, "minute": 57, "second": 49}
